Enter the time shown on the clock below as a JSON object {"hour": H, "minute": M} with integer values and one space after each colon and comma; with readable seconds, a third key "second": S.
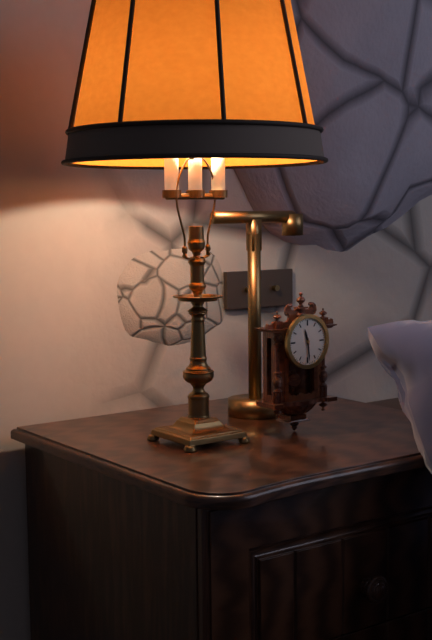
{"hour": 11, "minute": 29}
